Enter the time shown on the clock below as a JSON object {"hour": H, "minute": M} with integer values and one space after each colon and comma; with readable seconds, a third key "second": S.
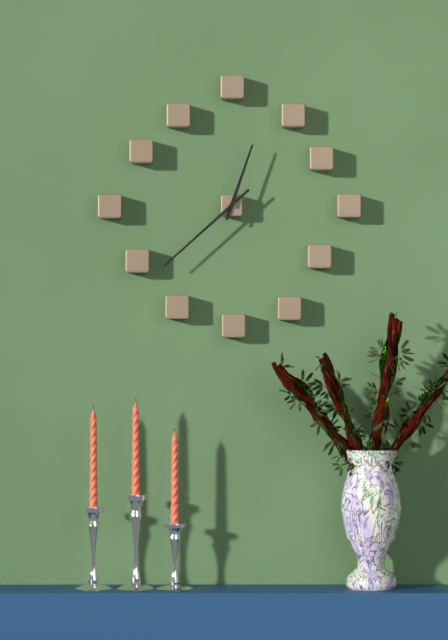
{"hour": 12, "minute": 38}
